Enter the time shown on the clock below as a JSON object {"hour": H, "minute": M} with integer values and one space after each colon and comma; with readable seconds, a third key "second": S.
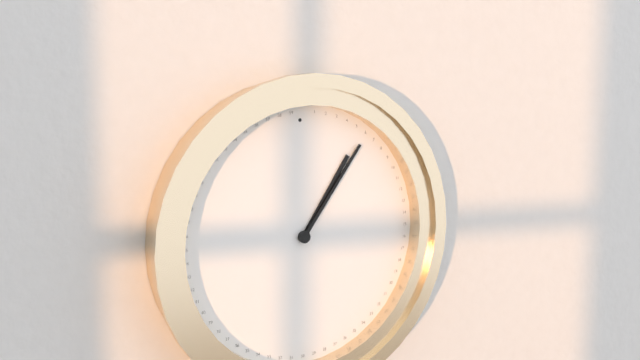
{"hour": 1, "minute": 6}
